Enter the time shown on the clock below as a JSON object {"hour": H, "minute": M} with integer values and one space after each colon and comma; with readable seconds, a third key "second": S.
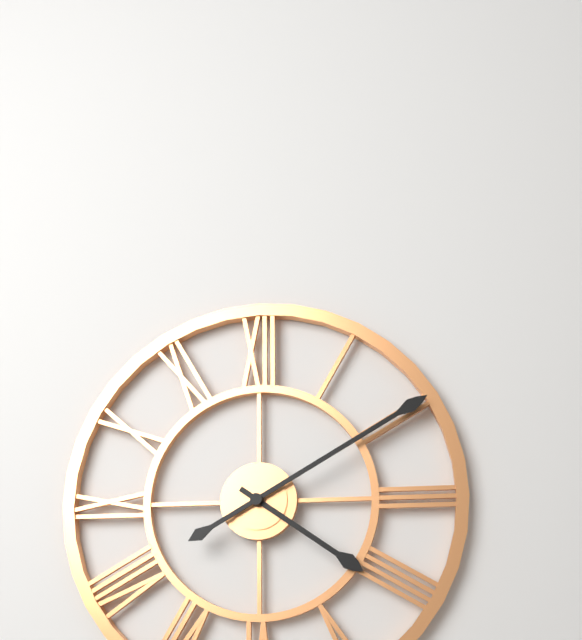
{"hour": 4, "minute": 10}
